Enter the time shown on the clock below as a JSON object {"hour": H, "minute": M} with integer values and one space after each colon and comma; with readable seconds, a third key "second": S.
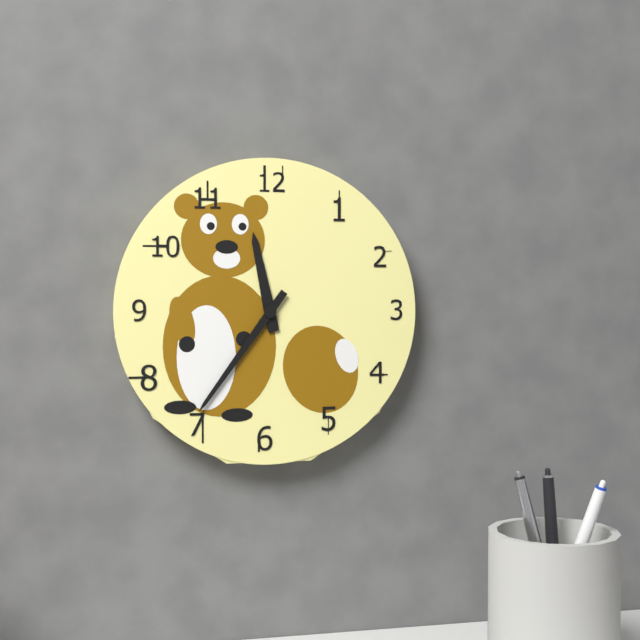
{"hour": 11, "minute": 36}
